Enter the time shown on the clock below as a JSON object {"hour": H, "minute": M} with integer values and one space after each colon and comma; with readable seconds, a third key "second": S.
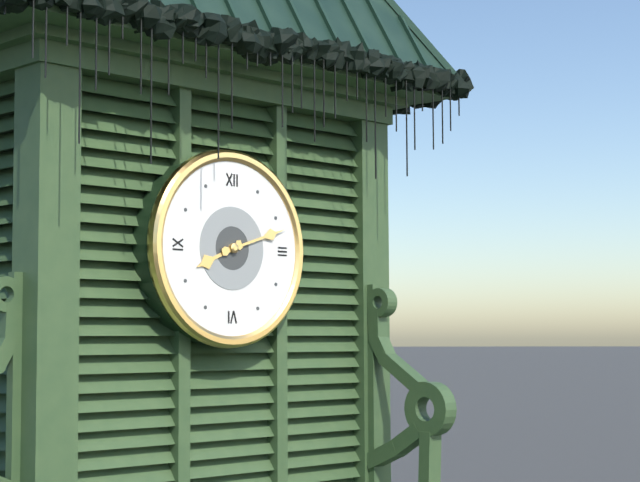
{"hour": 8, "minute": 12}
